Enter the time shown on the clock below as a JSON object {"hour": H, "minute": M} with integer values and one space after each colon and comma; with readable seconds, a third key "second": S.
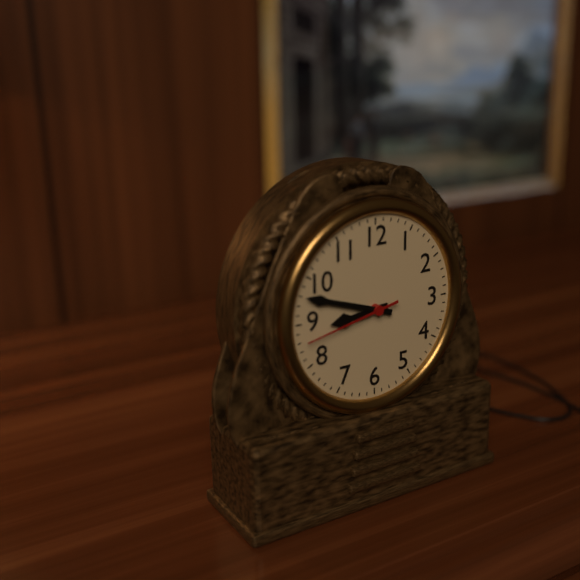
{"hour": 8, "minute": 48, "second": 43}
